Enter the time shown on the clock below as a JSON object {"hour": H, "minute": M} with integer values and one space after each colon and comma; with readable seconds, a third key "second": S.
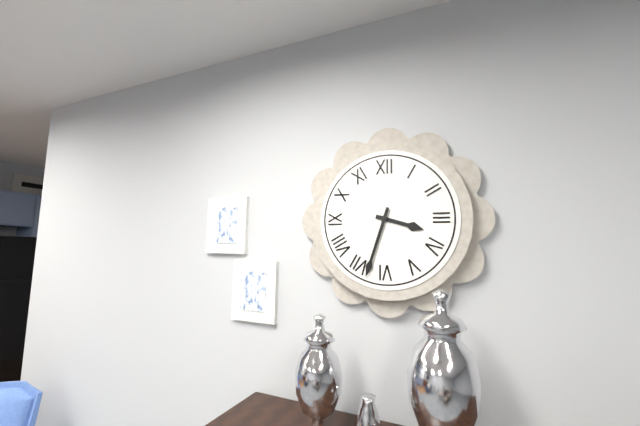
{"hour": 3, "minute": 33}
